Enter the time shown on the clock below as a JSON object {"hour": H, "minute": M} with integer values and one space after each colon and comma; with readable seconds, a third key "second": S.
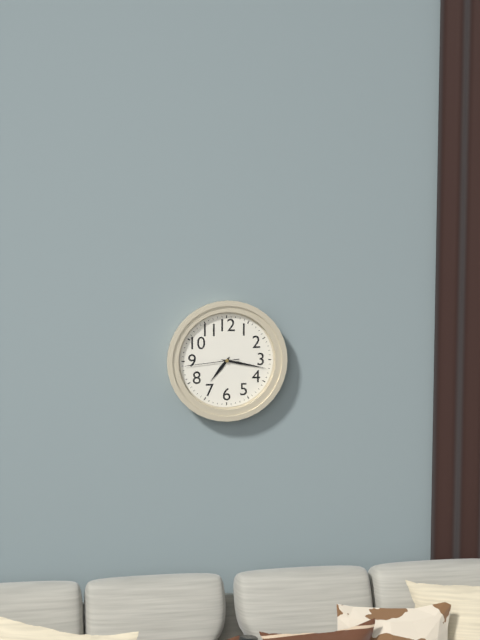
{"hour": 7, "minute": 17, "second": 44}
